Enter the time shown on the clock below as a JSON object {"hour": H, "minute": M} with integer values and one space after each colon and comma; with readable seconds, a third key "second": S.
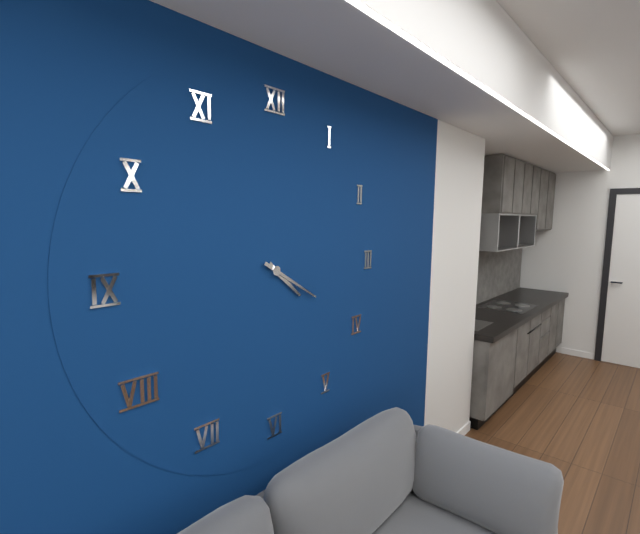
{"hour": 4, "minute": 20}
